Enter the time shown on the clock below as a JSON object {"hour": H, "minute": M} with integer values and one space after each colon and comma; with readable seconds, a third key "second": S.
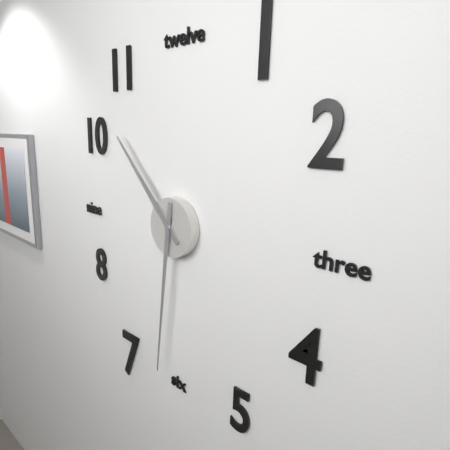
{"hour": 10, "minute": 31}
